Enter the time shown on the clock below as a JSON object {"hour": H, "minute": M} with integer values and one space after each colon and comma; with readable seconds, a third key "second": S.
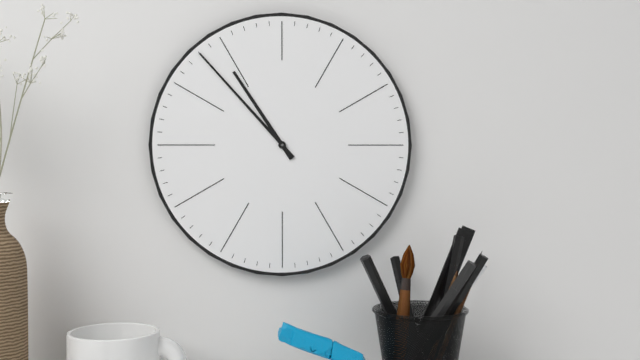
{"hour": 10, "minute": 53}
